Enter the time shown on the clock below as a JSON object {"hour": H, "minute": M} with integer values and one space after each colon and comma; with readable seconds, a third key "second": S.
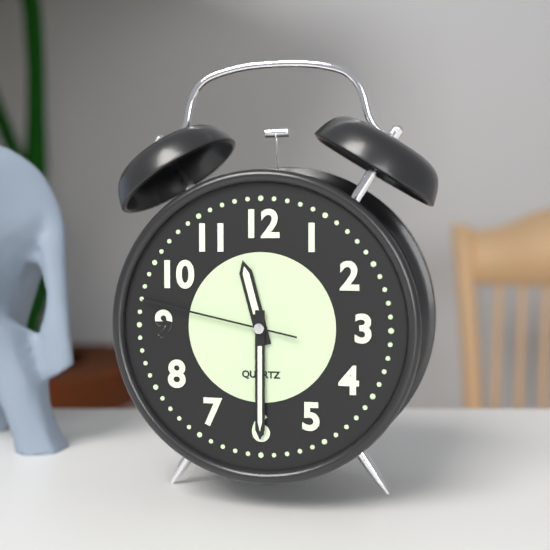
{"hour": 11, "minute": 30, "second": 47}
